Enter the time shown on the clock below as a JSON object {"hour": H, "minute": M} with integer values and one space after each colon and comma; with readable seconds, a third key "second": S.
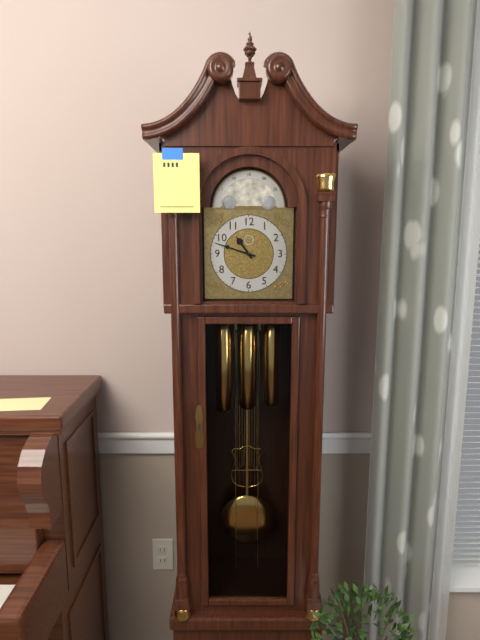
{"hour": 10, "minute": 48}
